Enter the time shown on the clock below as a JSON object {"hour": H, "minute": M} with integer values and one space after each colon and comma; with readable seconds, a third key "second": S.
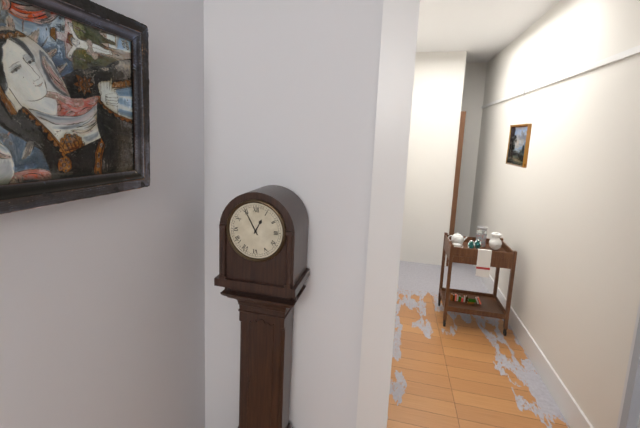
{"hour": 12, "minute": 55}
